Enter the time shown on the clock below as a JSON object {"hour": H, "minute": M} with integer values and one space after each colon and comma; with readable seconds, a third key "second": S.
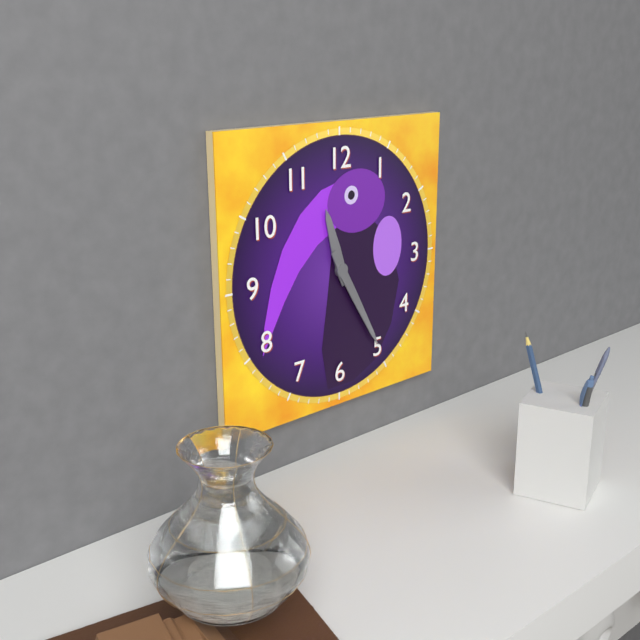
{"hour": 11, "minute": 25}
